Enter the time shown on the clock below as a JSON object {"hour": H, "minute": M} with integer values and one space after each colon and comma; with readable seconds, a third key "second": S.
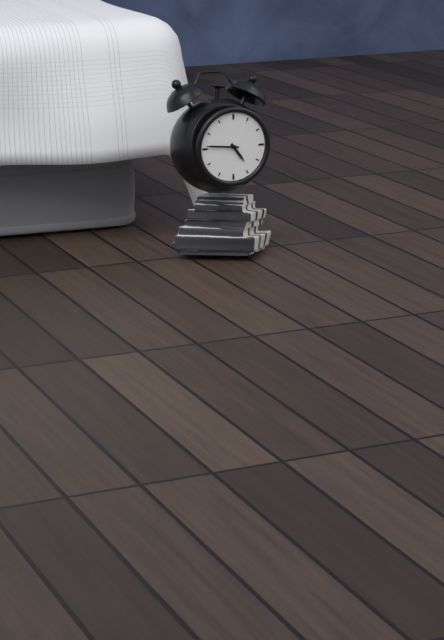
{"hour": 4, "minute": 46}
